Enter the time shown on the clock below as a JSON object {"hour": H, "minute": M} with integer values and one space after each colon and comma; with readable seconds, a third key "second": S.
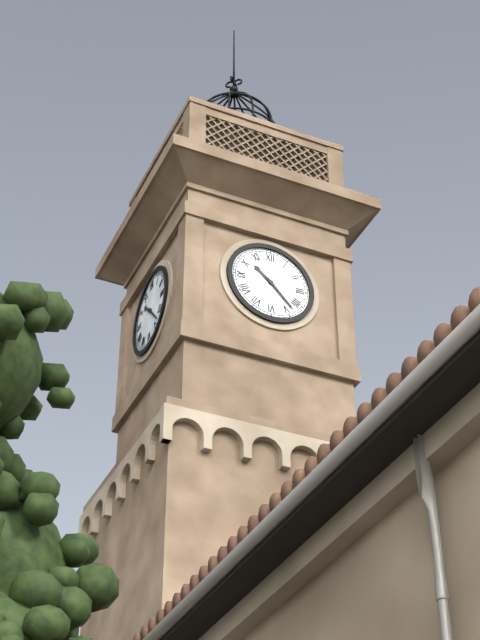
{"hour": 10, "minute": 23}
